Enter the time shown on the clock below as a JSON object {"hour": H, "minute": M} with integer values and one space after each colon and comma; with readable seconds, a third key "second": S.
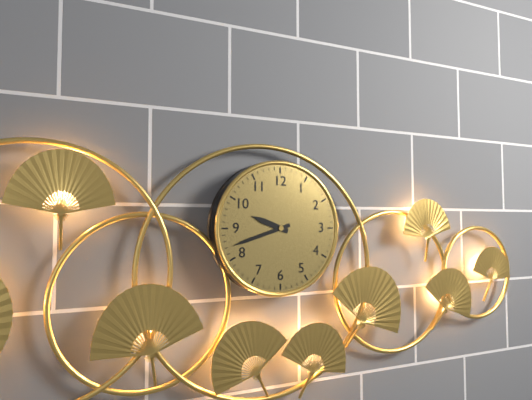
{"hour": 9, "minute": 42}
